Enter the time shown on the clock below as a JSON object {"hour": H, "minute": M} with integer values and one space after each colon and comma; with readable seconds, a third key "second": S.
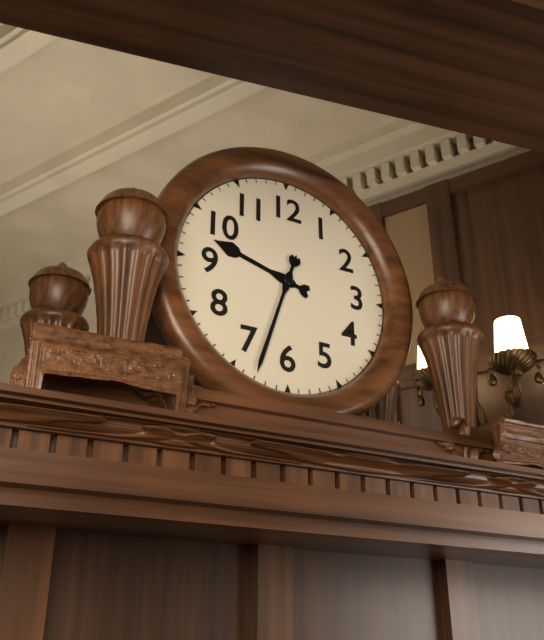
{"hour": 9, "minute": 33}
